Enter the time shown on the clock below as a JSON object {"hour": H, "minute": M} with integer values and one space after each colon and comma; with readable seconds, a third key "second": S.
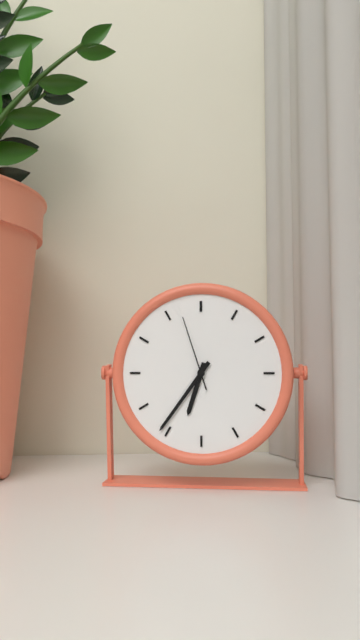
{"hour": 6, "minute": 36, "second": 57}
